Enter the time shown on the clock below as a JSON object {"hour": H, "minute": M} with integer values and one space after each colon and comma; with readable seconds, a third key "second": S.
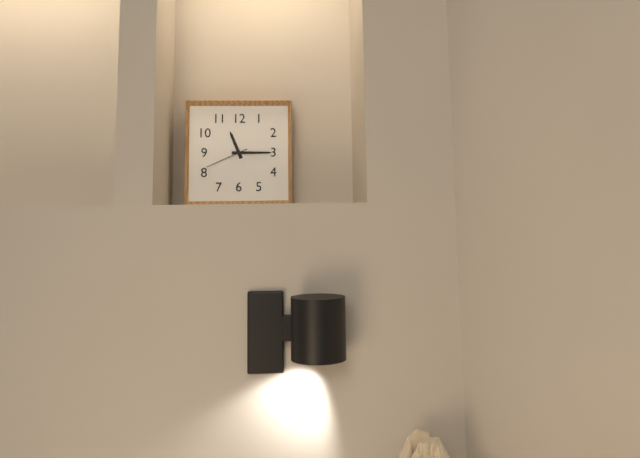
{"hour": 11, "minute": 15}
